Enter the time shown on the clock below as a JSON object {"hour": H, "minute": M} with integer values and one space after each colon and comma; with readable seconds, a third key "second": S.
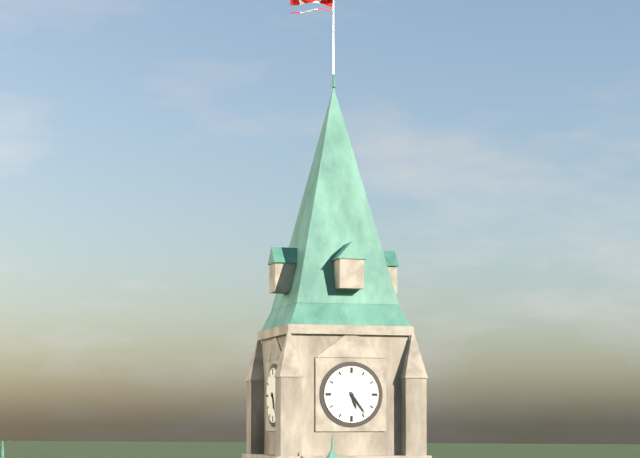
{"hour": 5, "minute": 24}
